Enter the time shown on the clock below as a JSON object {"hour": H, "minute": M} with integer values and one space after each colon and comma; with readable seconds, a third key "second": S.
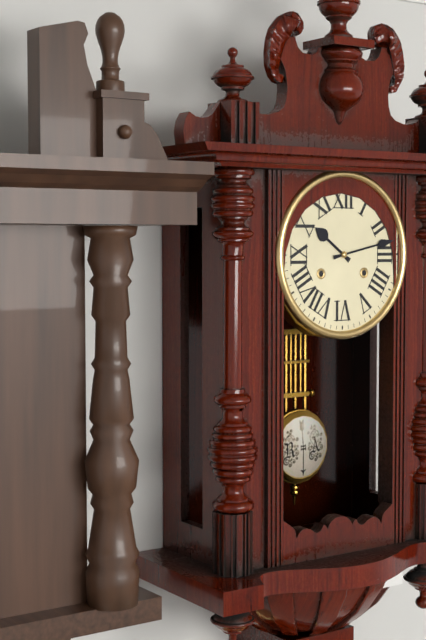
{"hour": 10, "minute": 13}
